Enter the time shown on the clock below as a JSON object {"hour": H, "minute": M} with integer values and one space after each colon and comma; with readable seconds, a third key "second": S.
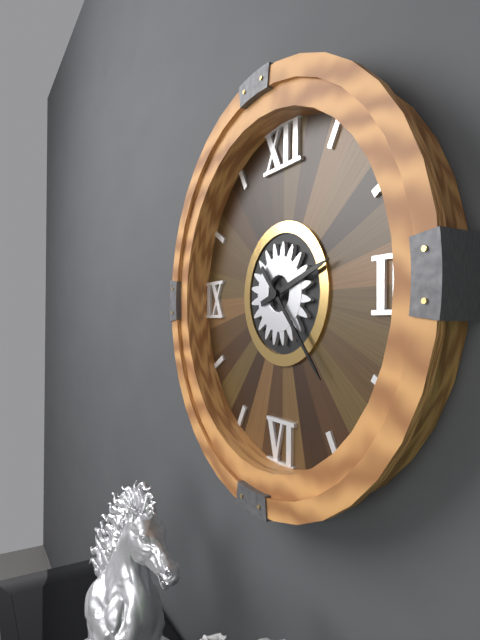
{"hour": 2, "minute": 23}
